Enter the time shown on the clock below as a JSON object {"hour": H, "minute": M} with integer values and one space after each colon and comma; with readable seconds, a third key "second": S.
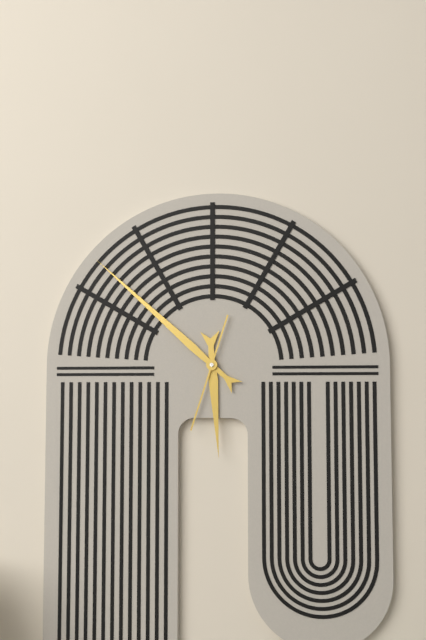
{"hour": 5, "minute": 52, "second": 33}
